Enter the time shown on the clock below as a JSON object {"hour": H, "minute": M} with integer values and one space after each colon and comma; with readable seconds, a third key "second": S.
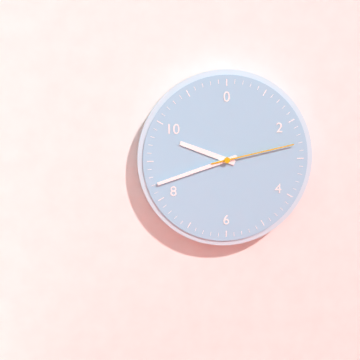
{"hour": 9, "minute": 42, "second": 13}
